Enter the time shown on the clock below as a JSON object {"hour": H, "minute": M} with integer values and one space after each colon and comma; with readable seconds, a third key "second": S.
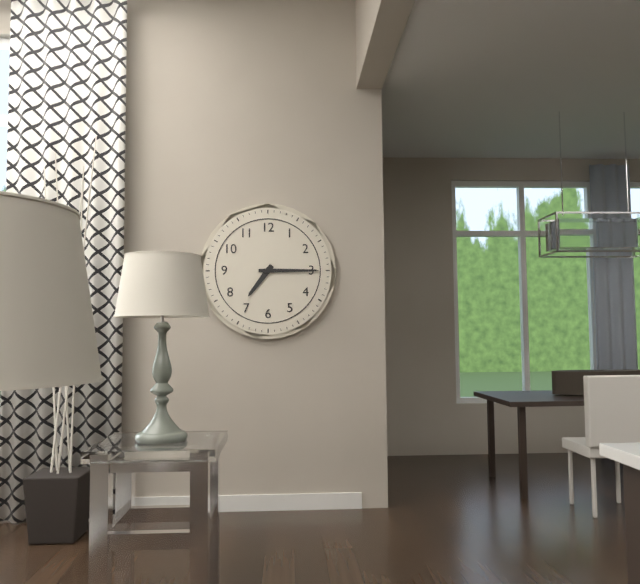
{"hour": 7, "minute": 15}
